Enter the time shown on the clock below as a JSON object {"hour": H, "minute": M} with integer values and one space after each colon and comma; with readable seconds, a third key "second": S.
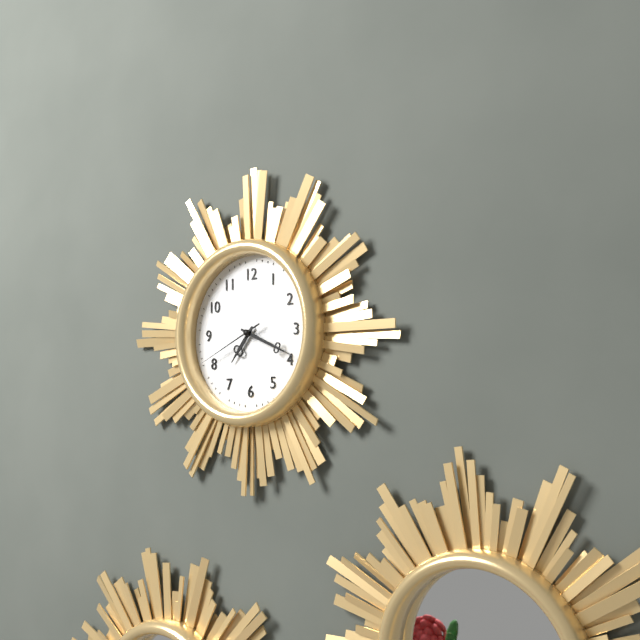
{"hour": 7, "minute": 19, "second": 41}
